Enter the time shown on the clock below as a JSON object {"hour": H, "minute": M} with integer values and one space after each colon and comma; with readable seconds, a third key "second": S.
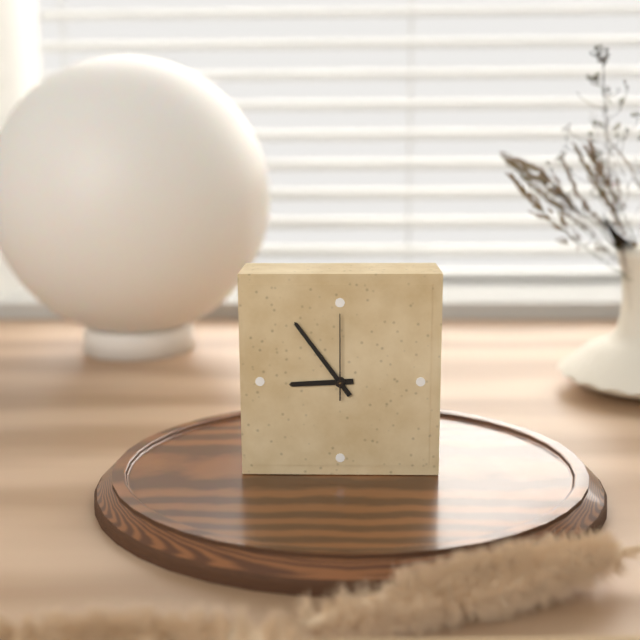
{"hour": 8, "minute": 54, "second": 0}
